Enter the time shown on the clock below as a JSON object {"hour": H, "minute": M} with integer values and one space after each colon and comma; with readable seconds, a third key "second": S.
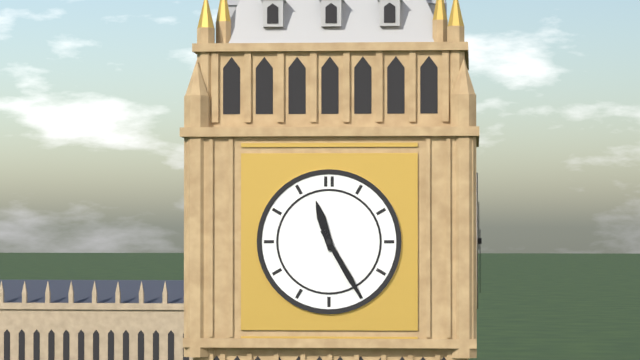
{"hour": 11, "minute": 25}
